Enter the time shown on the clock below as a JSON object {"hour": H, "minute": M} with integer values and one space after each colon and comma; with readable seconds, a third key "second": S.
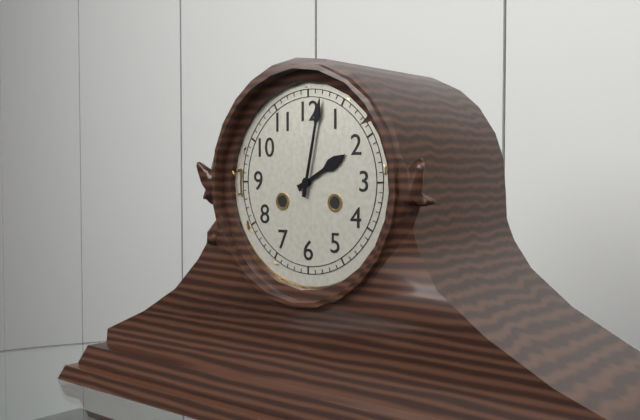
{"hour": 2, "minute": 2}
